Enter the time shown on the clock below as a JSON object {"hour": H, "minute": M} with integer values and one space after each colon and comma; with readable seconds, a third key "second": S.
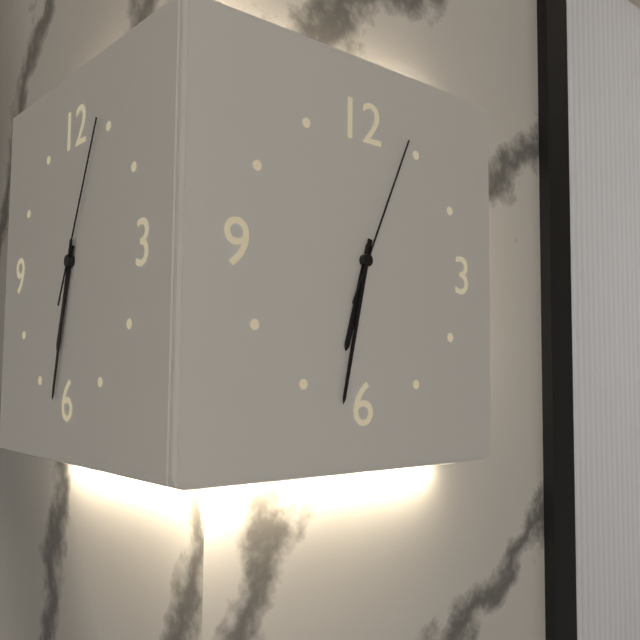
{"hour": 6, "minute": 32, "second": 4}
